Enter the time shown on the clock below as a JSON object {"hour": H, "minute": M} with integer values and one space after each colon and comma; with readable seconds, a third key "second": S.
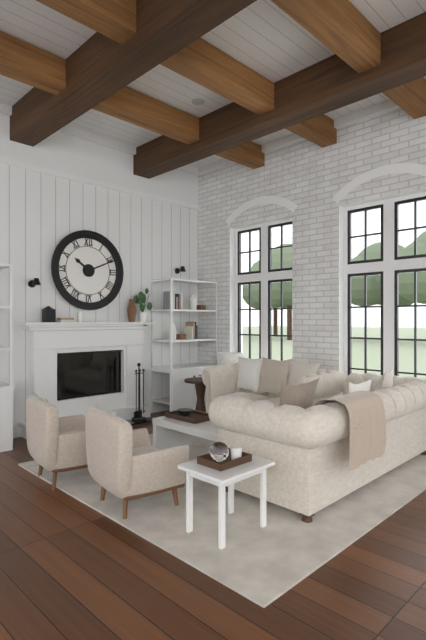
{"hour": 10, "minute": 11}
